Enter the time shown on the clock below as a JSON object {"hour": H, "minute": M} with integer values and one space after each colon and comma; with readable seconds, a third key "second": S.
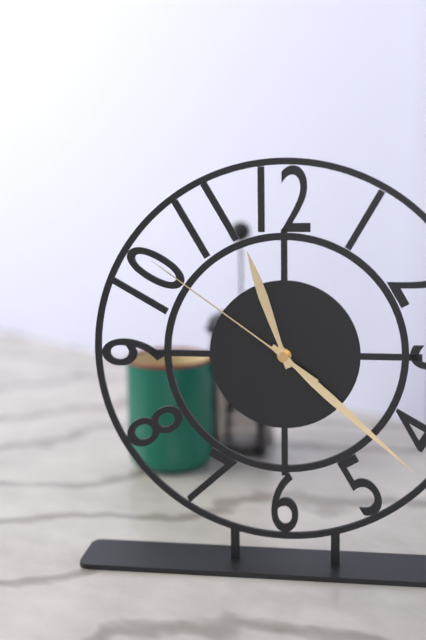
{"hour": 11, "minute": 22, "second": 51}
